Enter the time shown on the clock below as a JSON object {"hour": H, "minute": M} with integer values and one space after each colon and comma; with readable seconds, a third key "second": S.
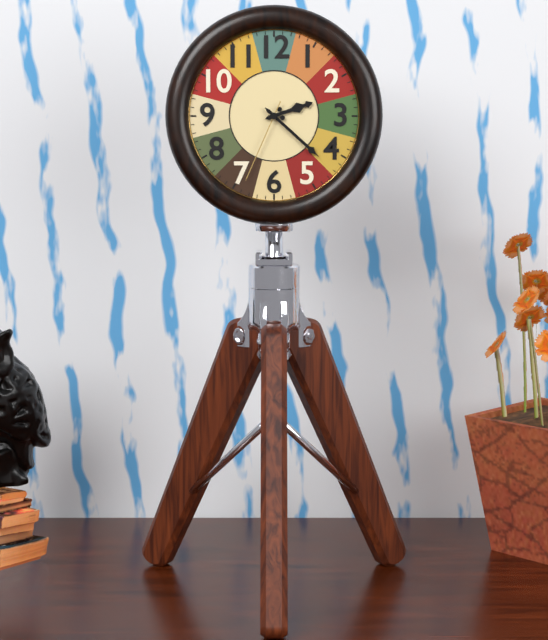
{"hour": 2, "minute": 22, "second": 34}
